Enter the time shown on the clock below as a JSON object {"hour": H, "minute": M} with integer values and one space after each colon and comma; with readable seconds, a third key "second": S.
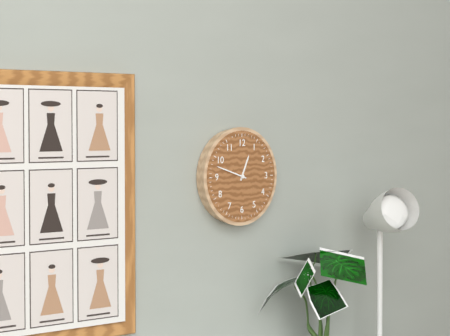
{"hour": 12, "minute": 48}
